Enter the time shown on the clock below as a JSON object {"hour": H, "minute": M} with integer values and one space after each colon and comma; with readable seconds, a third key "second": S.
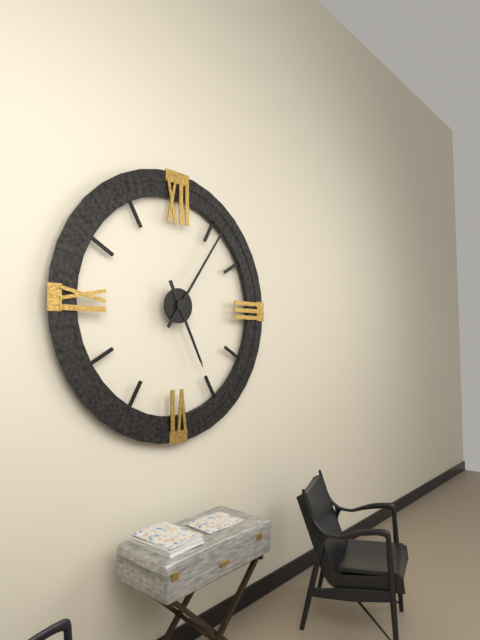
{"hour": 5, "minute": 6}
